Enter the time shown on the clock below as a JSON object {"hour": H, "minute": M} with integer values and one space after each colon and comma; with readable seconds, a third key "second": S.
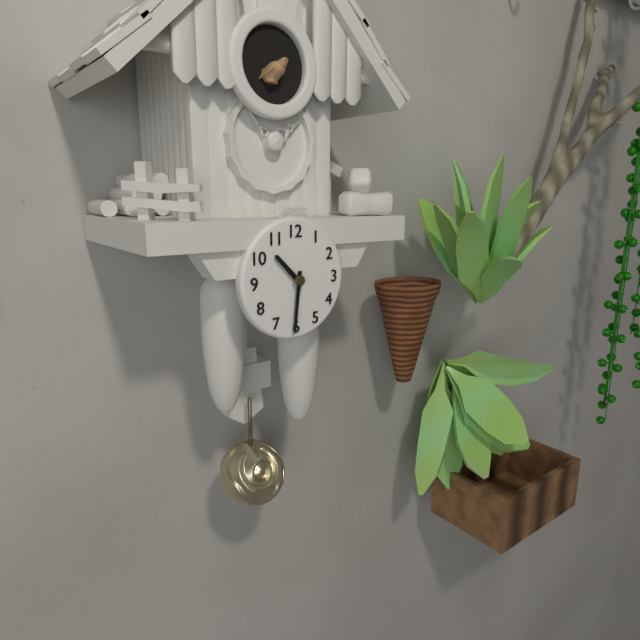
{"hour": 10, "minute": 31}
